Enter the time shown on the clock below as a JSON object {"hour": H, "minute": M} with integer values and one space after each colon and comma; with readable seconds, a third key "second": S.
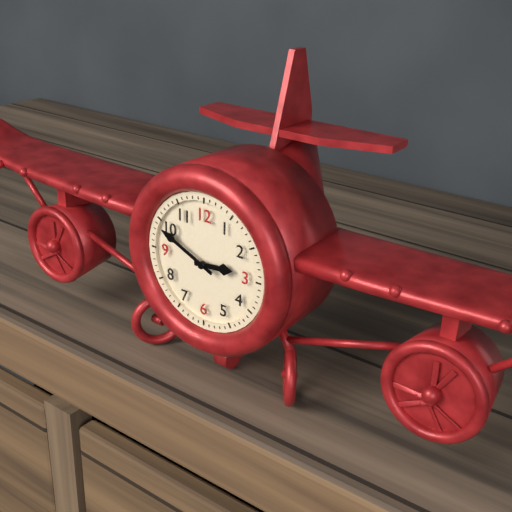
{"hour": 2, "minute": 49}
